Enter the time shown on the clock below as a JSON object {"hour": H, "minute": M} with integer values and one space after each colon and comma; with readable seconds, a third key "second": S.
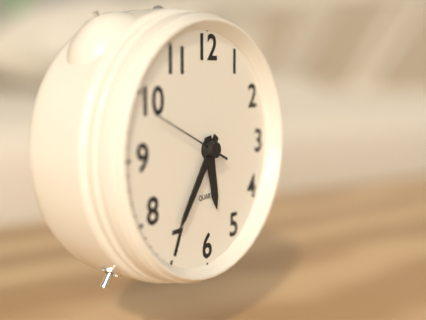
{"hour": 5, "minute": 36, "second": 49}
